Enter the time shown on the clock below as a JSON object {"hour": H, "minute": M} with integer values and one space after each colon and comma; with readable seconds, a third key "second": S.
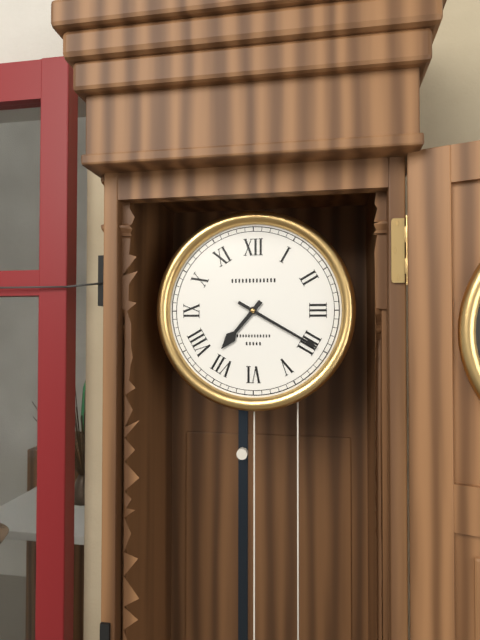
{"hour": 7, "minute": 20}
